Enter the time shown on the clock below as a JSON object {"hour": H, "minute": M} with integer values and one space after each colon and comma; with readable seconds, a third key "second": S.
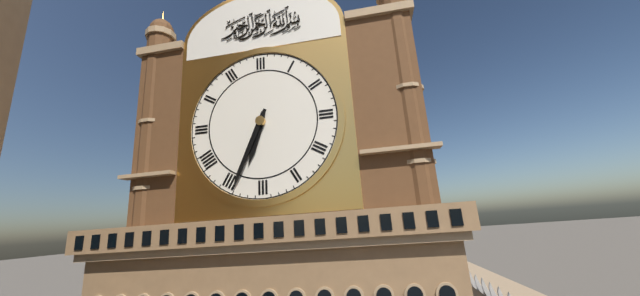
{"hour": 6, "minute": 34}
